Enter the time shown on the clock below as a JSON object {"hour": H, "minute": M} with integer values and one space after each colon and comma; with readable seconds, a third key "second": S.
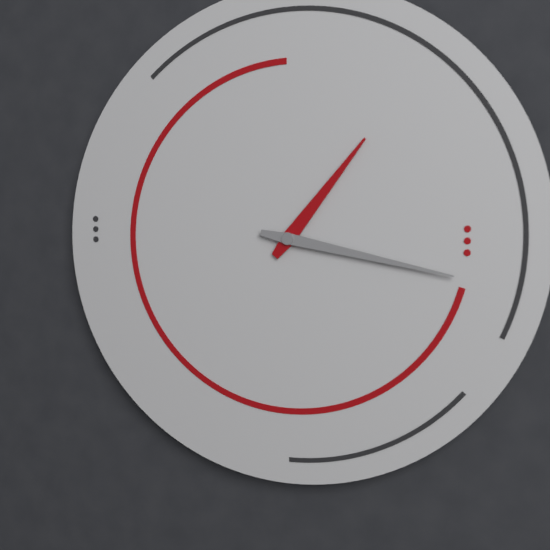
{"hour": 1, "minute": 17}
